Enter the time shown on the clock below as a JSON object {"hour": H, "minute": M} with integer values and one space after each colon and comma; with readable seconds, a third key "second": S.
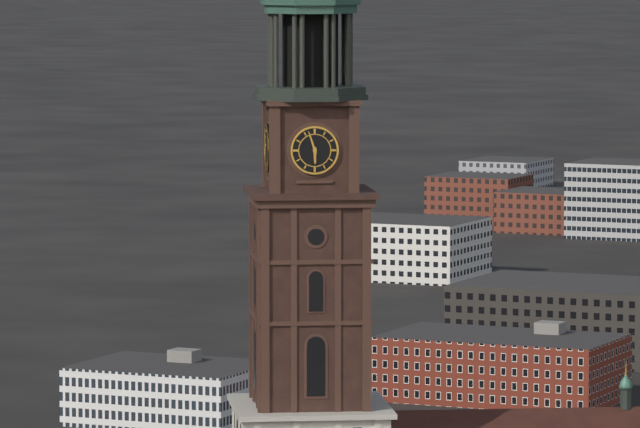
{"hour": 5, "minute": 57}
